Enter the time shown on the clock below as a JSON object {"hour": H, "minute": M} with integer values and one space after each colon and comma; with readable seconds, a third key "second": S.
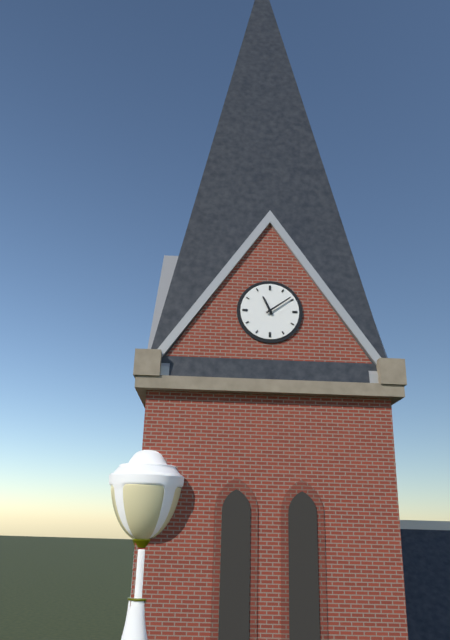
{"hour": 11, "minute": 9}
